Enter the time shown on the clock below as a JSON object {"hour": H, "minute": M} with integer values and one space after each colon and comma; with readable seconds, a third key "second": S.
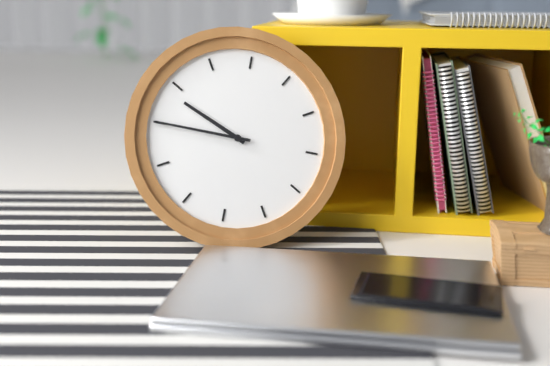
{"hour": 9, "minute": 45}
